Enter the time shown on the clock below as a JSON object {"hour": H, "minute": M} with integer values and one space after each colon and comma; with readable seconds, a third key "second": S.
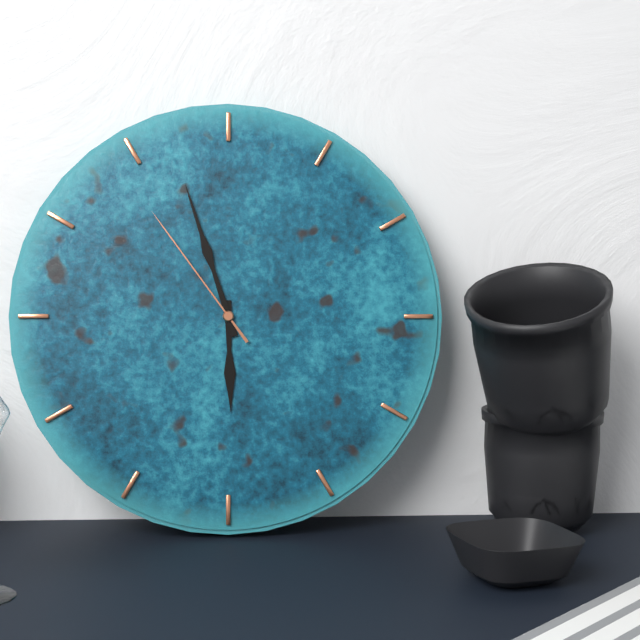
{"hour": 5, "minute": 57, "second": 54}
